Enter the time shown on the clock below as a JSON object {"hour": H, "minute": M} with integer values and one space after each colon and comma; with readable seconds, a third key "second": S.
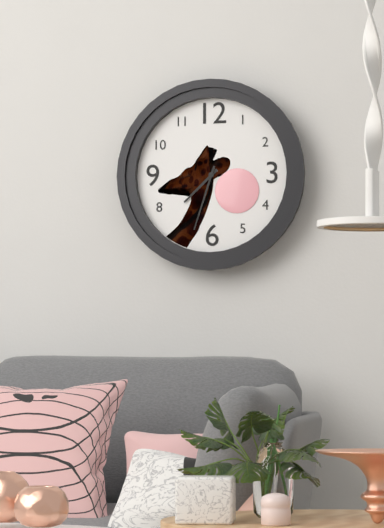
{"hour": 7, "minute": 33}
